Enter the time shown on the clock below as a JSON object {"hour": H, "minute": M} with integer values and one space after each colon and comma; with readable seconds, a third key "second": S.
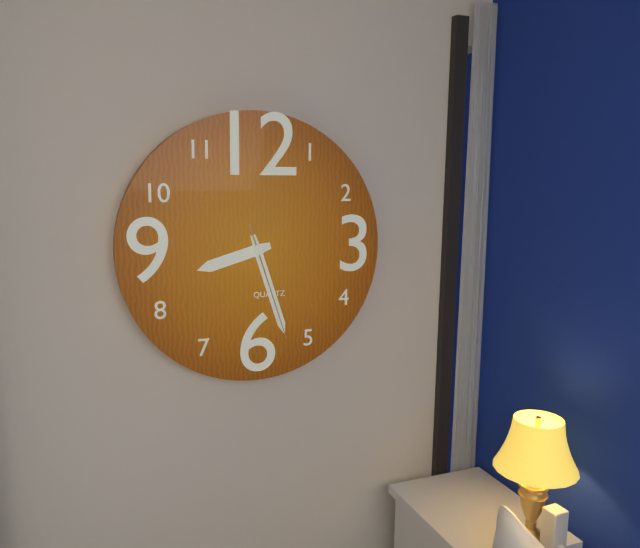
{"hour": 8, "minute": 27, "second": 27}
